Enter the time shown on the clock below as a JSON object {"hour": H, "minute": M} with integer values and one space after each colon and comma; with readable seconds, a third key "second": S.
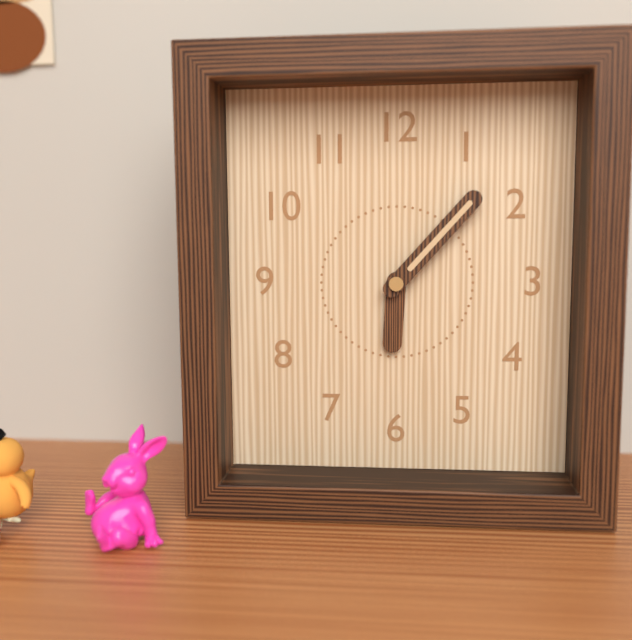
{"hour": 6, "minute": 7}
